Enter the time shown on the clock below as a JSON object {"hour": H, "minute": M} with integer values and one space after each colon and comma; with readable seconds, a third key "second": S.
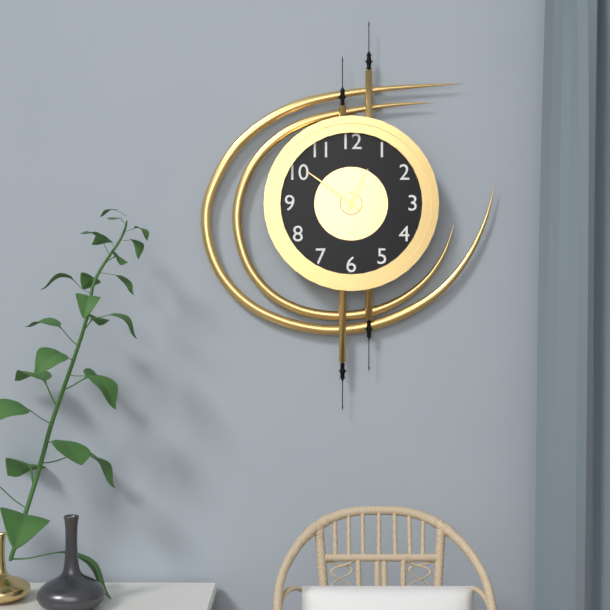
{"hour": 12, "minute": 51}
